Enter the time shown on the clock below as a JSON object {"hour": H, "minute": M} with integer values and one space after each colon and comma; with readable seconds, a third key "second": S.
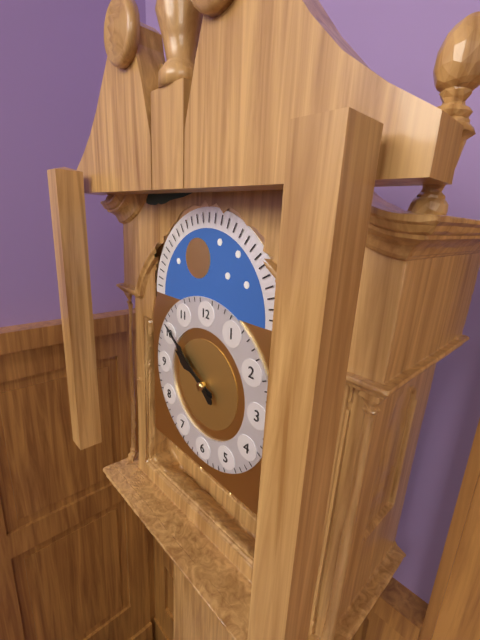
{"hour": 9, "minute": 51}
